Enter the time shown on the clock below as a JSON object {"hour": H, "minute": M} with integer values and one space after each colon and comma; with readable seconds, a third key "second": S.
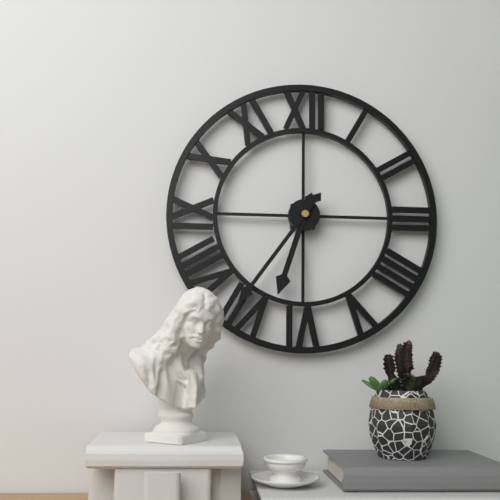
{"hour": 6, "minute": 36}
